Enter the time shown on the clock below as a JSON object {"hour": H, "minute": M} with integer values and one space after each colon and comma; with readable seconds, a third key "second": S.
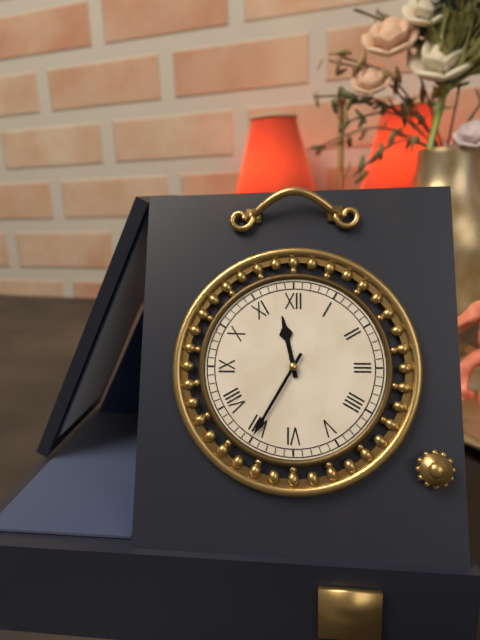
{"hour": 11, "minute": 35}
